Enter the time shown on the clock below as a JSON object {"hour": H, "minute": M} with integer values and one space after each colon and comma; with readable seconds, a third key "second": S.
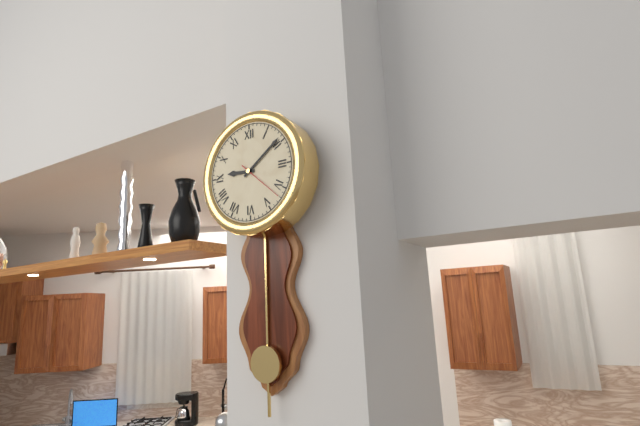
{"hour": 9, "minute": 9}
